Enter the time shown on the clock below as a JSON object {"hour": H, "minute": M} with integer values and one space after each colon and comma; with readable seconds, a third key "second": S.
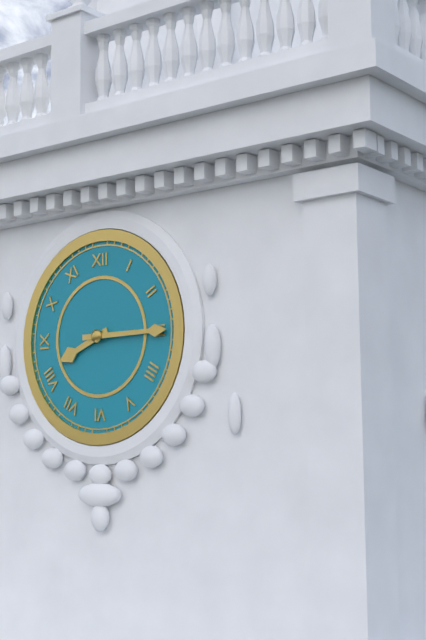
{"hour": 8, "minute": 15}
